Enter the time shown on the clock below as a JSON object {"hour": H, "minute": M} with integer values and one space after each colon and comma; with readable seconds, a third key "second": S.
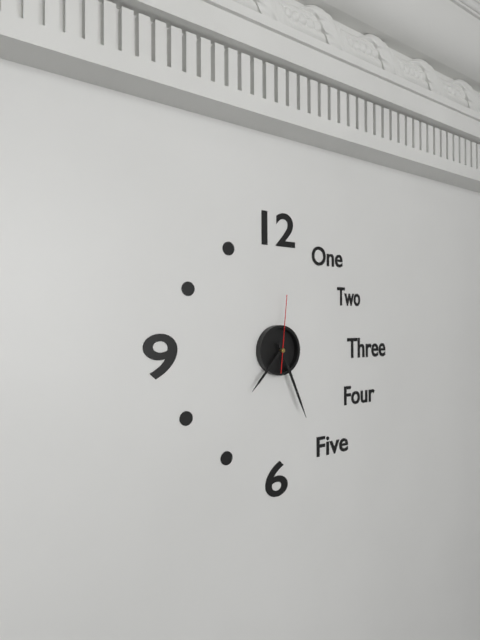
{"hour": 7, "minute": 26, "second": 1}
